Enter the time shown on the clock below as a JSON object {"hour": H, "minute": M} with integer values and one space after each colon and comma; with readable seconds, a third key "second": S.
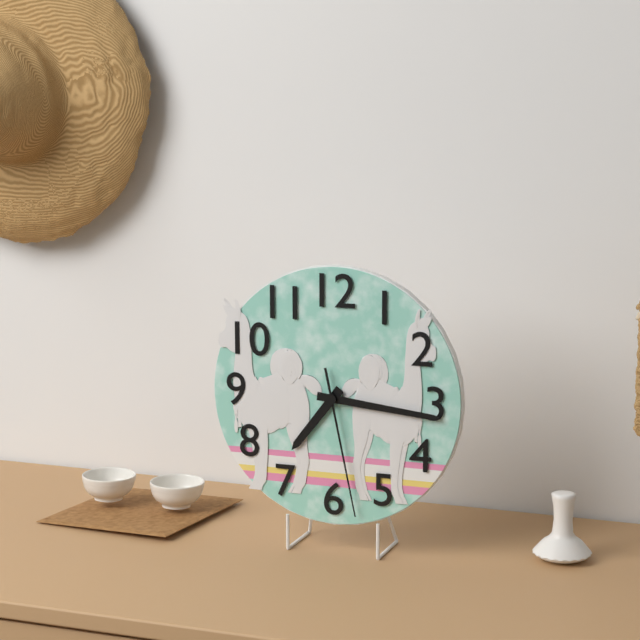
{"hour": 7, "minute": 16, "second": 28}
